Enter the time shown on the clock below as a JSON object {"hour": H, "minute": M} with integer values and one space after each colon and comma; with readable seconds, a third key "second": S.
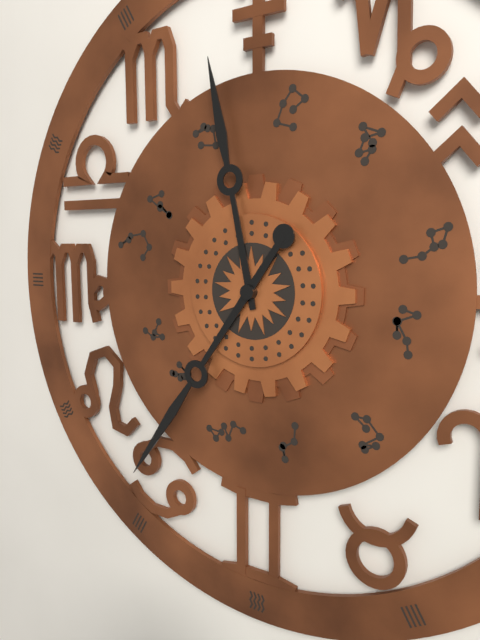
{"hour": 11, "minute": 36}
